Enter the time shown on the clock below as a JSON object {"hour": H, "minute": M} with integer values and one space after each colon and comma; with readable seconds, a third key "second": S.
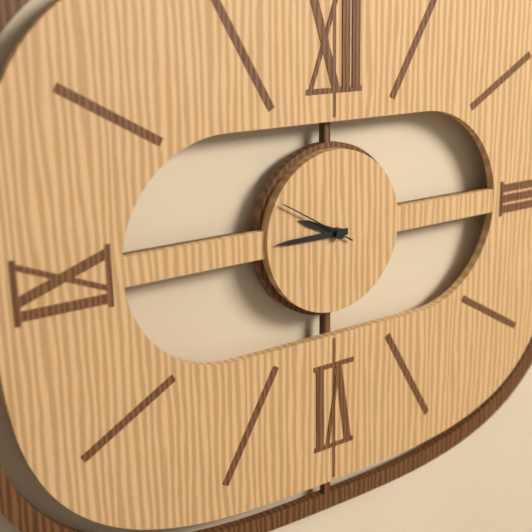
{"hour": 9, "minute": 45, "second": 50}
